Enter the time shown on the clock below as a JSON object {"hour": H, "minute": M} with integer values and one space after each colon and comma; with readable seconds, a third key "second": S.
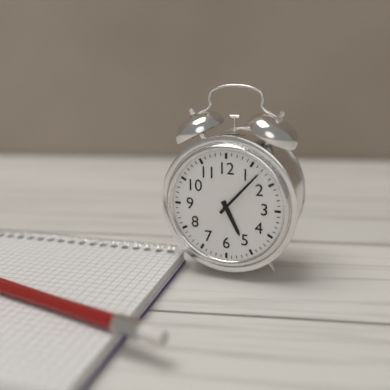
{"hour": 5, "minute": 7}
